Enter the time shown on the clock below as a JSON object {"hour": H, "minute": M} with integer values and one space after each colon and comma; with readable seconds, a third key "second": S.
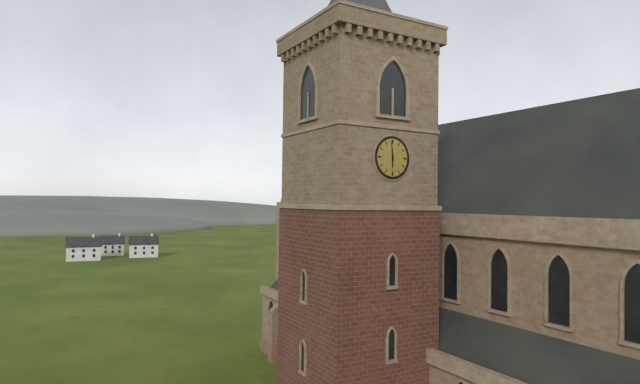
{"hour": 5, "minute": 59}
